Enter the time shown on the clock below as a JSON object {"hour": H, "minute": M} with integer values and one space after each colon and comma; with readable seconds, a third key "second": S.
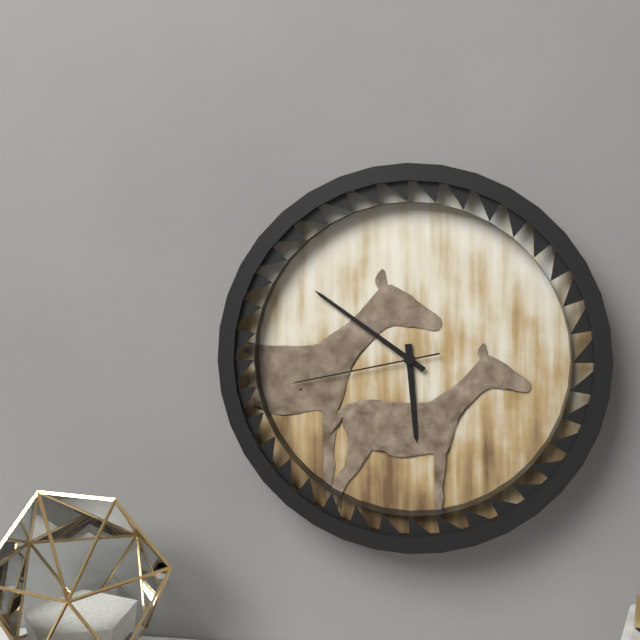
{"hour": 5, "minute": 51, "second": 43}
